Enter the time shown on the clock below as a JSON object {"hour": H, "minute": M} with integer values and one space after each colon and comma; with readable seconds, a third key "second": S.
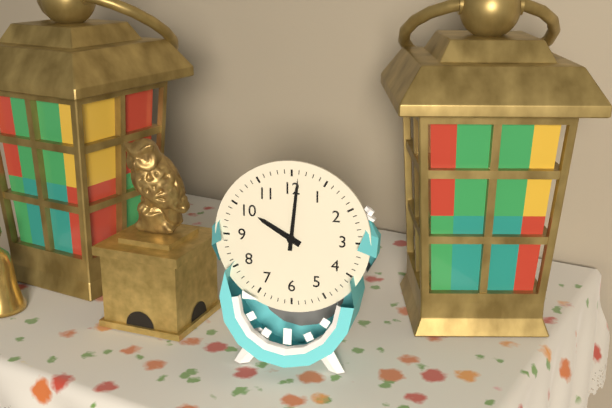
{"hour": 10, "minute": 1}
